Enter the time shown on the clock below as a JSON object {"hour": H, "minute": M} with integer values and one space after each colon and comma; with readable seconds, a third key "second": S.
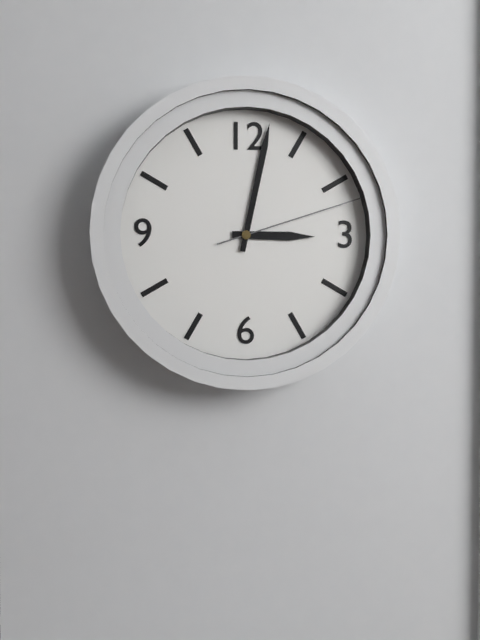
{"hour": 3, "minute": 2, "second": 12}
